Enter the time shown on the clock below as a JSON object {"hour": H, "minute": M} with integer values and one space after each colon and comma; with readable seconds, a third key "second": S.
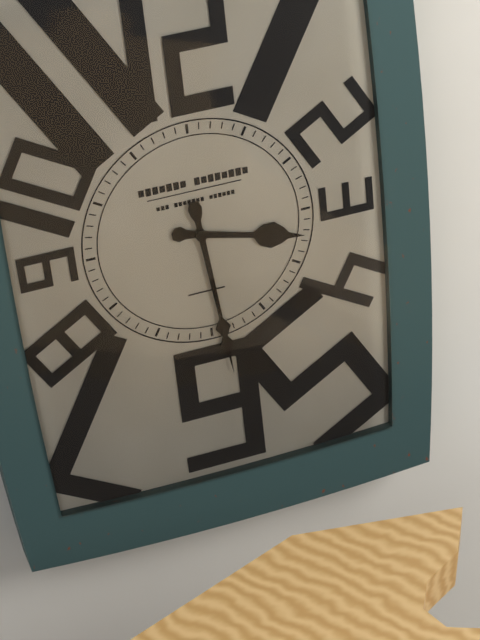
{"hour": 3, "minute": 29}
